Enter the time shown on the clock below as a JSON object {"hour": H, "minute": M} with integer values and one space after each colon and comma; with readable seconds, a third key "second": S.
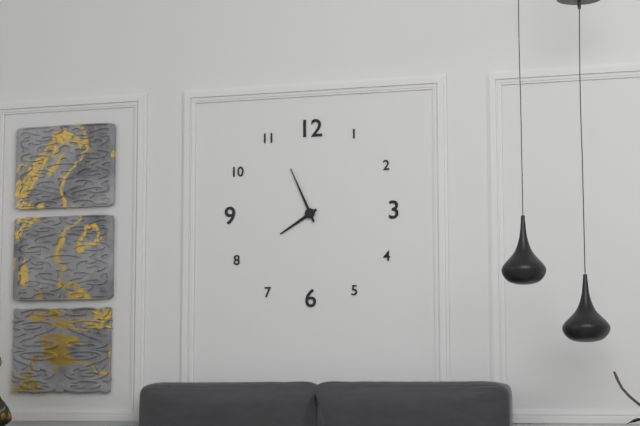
{"hour": 7, "minute": 56}
